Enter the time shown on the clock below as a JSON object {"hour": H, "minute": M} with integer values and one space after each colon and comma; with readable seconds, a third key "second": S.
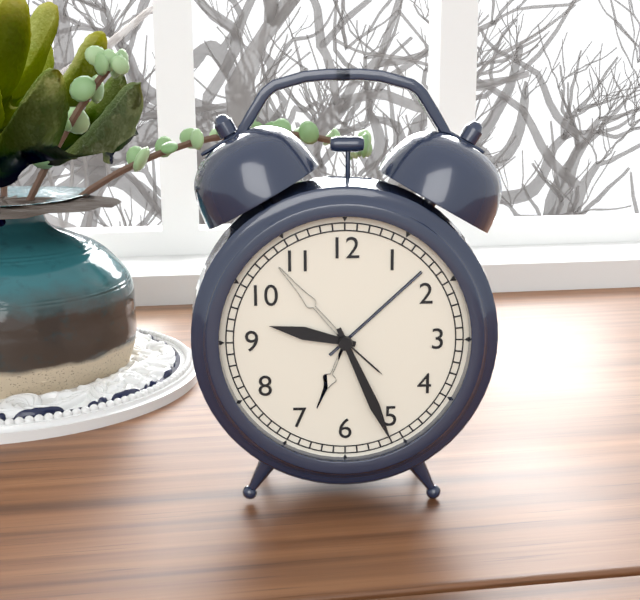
{"hour": 9, "minute": 26}
